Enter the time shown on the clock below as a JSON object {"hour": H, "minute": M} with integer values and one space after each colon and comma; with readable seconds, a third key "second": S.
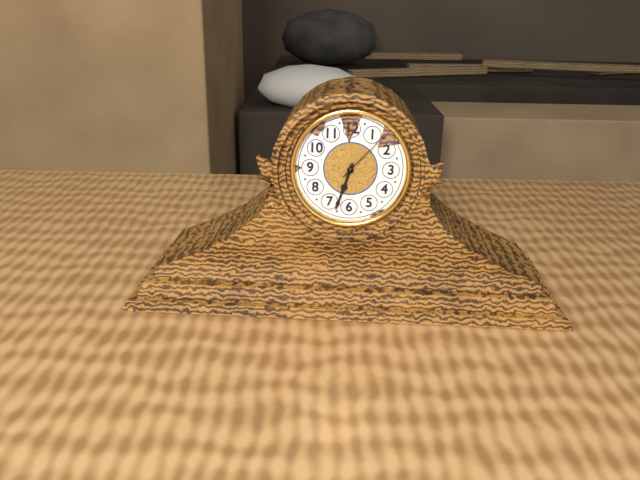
{"hour": 6, "minute": 33, "second": 7}
